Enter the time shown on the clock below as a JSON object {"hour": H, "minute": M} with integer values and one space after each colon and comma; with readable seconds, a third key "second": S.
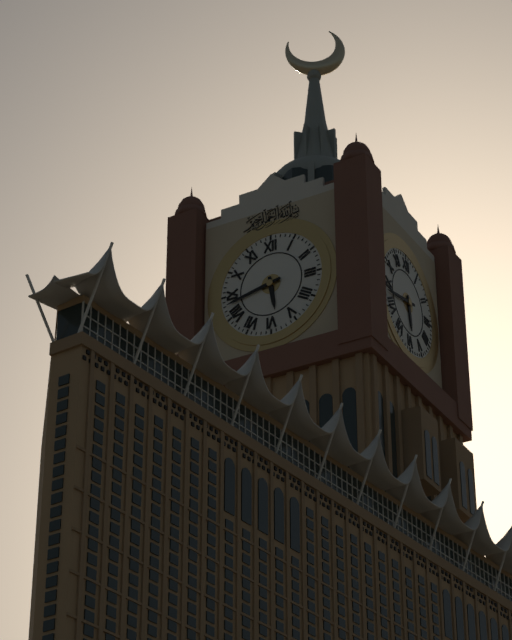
{"hour": 5, "minute": 43}
